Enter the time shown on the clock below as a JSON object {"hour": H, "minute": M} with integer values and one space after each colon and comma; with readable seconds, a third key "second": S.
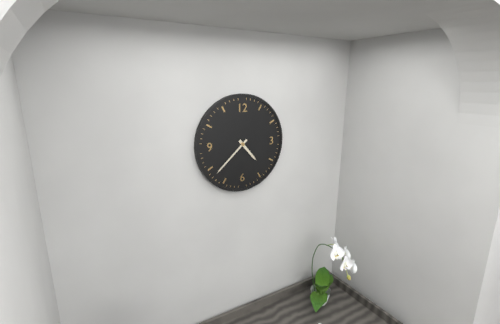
{"hour": 4, "minute": 38}
